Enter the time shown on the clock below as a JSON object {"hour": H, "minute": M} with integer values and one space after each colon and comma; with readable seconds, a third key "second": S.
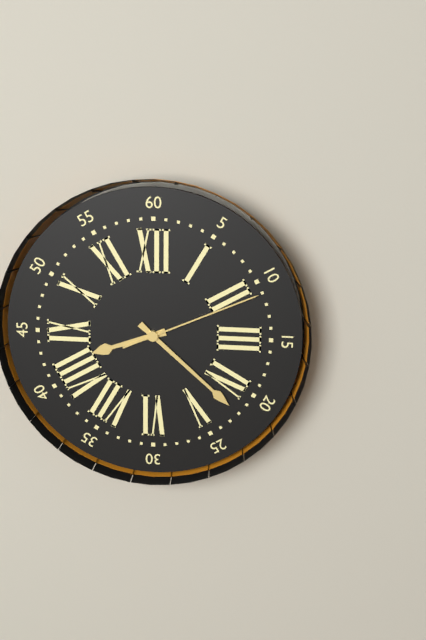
{"hour": 8, "minute": 22, "second": 11}
